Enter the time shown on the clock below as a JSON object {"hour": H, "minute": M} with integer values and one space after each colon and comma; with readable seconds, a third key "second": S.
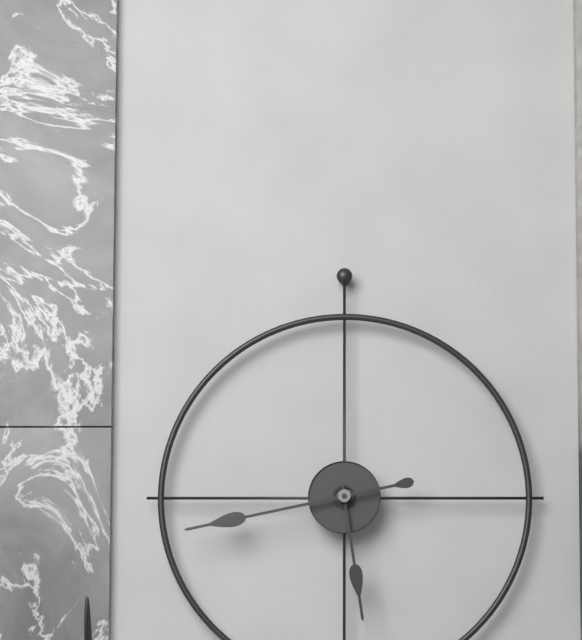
{"hour": 5, "minute": 43}
